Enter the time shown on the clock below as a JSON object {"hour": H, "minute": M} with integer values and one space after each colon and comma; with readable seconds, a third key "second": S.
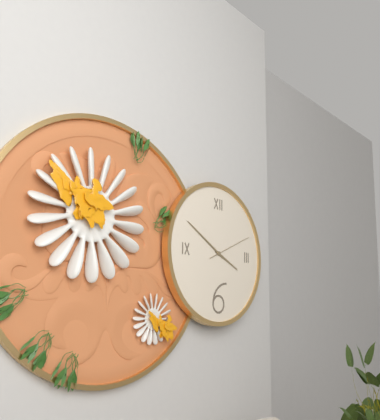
{"hour": 3, "minute": 50, "second": 11}
